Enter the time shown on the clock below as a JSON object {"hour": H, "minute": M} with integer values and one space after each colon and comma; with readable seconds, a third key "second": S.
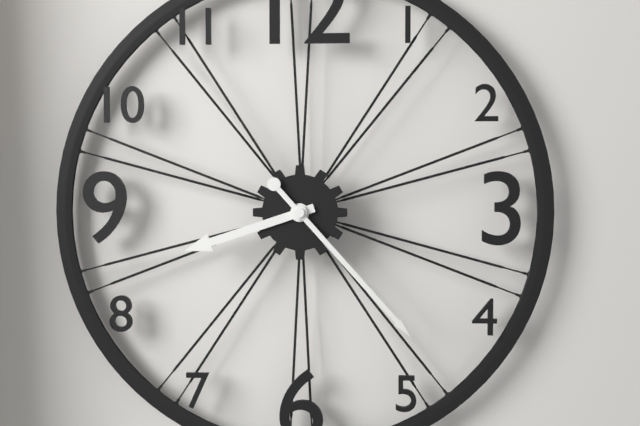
{"hour": 8, "minute": 23}
